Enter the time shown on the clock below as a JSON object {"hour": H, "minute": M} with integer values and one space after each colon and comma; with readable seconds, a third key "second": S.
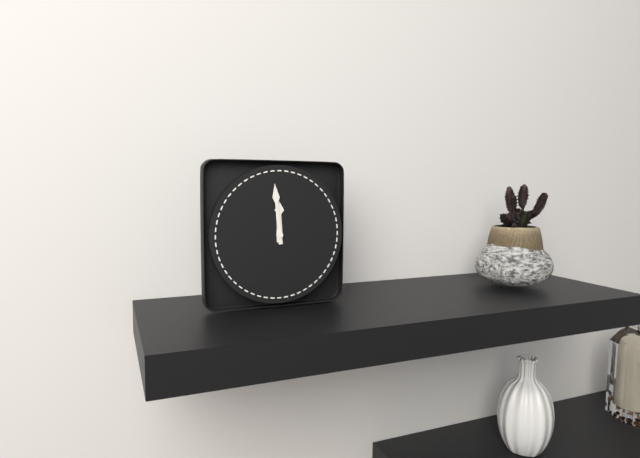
{"hour": 11, "minute": 59}
